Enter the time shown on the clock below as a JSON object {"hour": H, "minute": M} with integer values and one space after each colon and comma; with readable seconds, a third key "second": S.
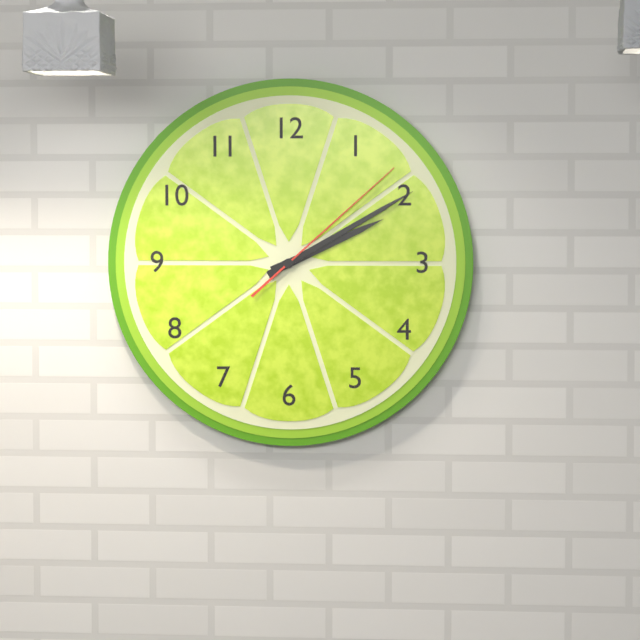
{"hour": 2, "minute": 10, "second": 8}
